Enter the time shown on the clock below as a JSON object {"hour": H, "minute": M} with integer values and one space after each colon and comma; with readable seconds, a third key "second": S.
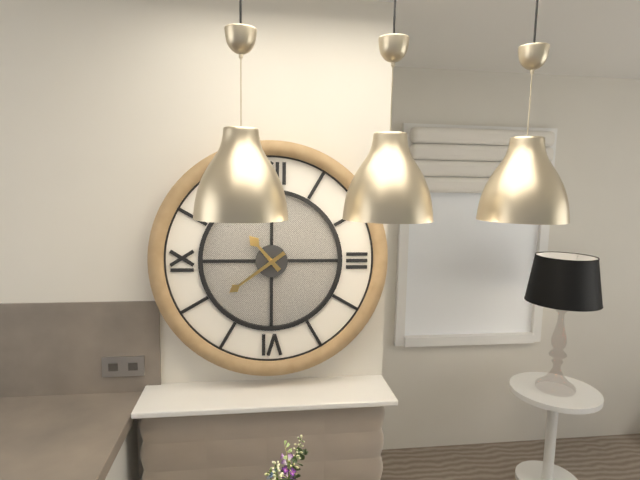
{"hour": 10, "minute": 39}
